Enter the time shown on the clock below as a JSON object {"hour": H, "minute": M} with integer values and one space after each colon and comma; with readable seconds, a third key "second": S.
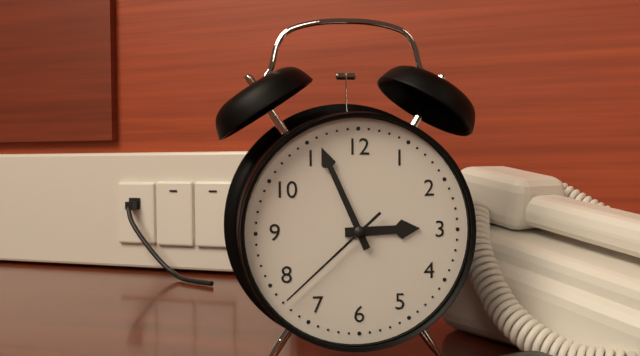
{"hour": 2, "minute": 56, "second": 38}
